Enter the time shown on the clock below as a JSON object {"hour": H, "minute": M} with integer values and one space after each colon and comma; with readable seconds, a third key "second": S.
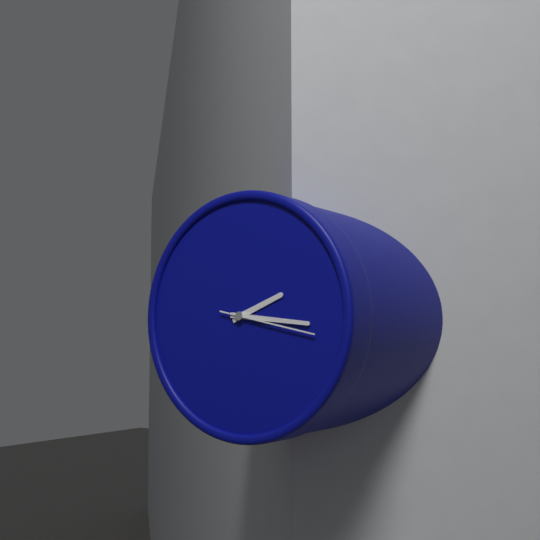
{"hour": 2, "minute": 16, "second": 17}
